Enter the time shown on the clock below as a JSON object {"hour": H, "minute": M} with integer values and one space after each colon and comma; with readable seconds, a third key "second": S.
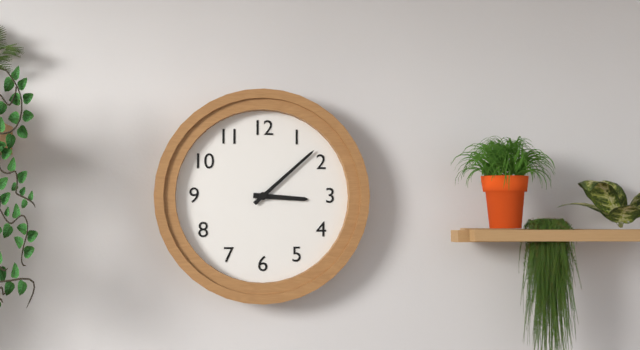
{"hour": 3, "minute": 8}
